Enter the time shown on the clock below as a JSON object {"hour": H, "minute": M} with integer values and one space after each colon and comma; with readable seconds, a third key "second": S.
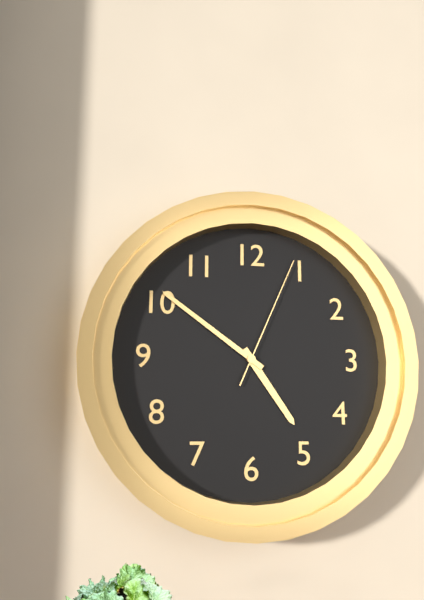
{"hour": 4, "minute": 51, "second": 4}
